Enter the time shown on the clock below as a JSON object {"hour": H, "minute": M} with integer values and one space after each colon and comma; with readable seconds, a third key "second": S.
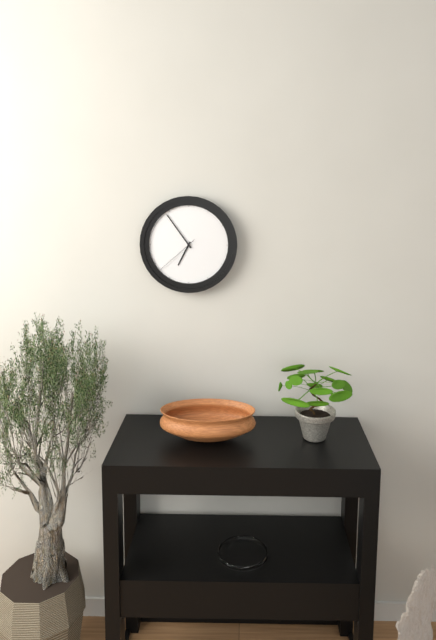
{"hour": 6, "minute": 54}
